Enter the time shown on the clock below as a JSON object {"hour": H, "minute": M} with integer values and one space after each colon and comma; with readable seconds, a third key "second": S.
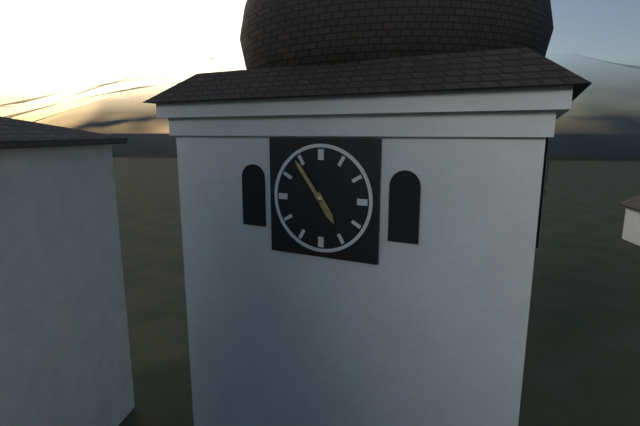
{"hour": 4, "minute": 54}
